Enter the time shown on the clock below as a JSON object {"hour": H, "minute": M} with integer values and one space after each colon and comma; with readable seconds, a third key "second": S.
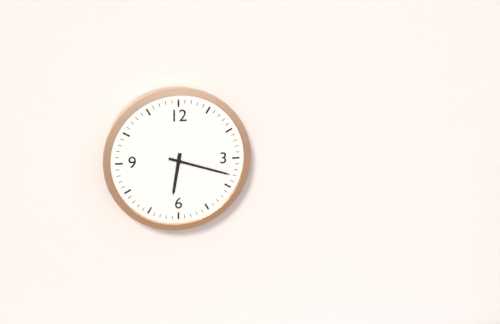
{"hour": 6, "minute": 18}
